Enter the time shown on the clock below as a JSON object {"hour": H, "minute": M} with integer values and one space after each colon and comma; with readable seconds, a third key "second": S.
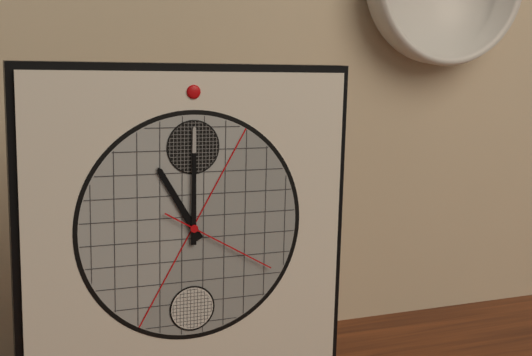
{"hour": 11, "minute": 0, "second": 20}
